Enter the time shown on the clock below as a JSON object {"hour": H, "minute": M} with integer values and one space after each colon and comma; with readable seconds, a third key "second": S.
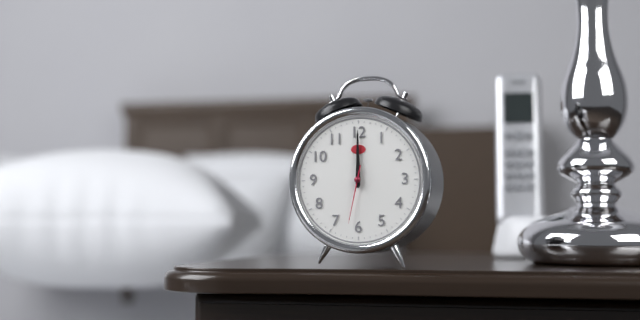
{"hour": 12, "minute": 0, "second": 32}
